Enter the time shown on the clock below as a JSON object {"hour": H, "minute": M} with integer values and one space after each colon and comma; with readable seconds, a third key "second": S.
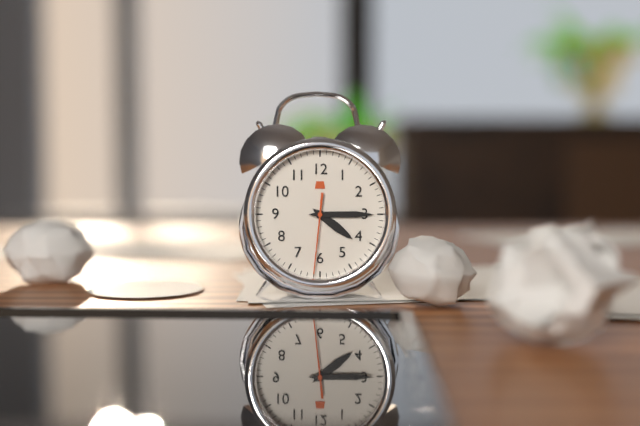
{"hour": 4, "minute": 15, "second": 31}
